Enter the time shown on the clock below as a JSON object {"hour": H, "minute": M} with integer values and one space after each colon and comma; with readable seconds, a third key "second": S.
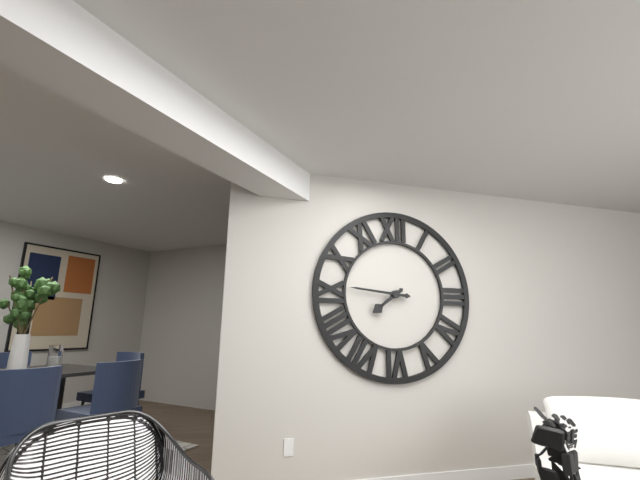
{"hour": 7, "minute": 46}
